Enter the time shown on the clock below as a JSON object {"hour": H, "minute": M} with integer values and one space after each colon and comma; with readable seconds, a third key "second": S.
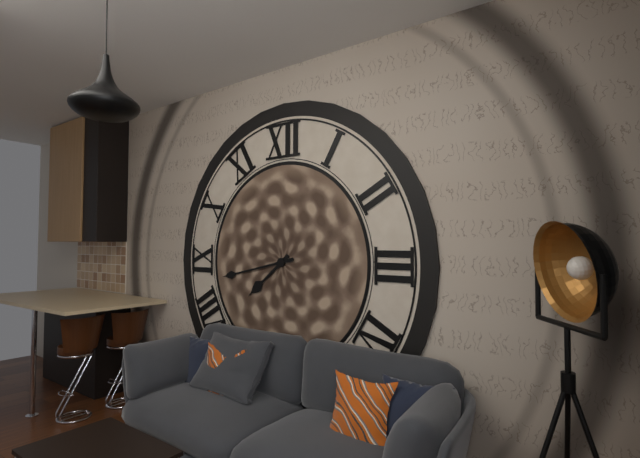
{"hour": 7, "minute": 43}
